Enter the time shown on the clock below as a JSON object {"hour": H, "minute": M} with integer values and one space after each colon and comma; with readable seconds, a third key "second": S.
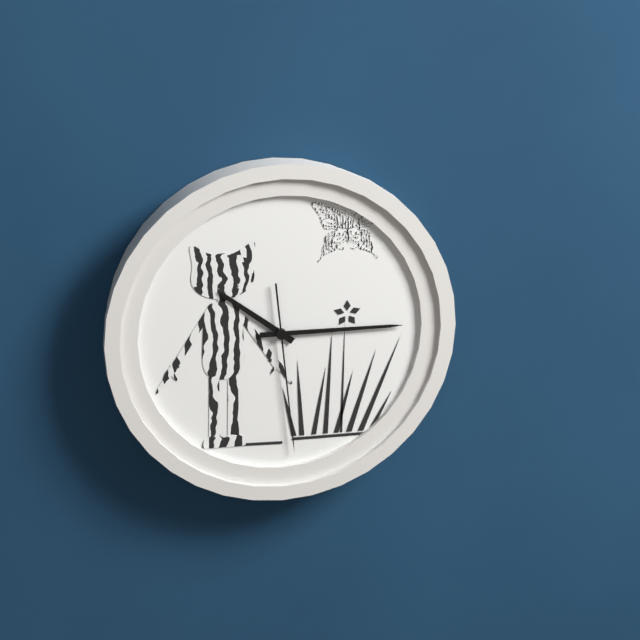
{"hour": 10, "minute": 15, "second": 29}
